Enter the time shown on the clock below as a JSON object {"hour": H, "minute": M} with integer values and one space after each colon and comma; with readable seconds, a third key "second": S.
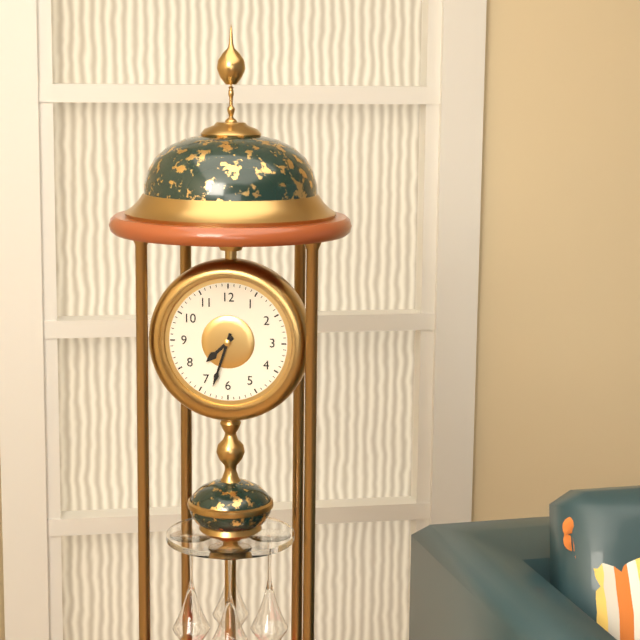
{"hour": 7, "minute": 33}
